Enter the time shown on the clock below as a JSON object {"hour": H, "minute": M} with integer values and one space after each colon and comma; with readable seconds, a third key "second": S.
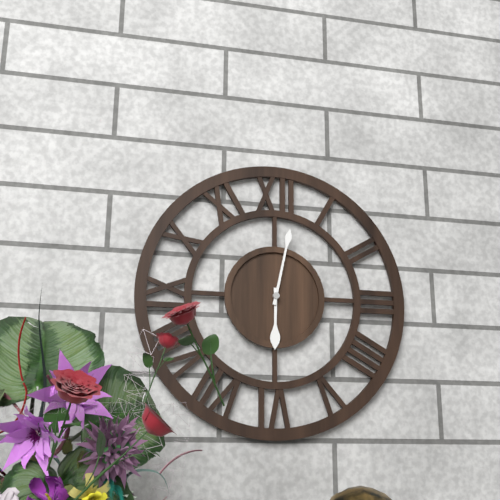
{"hour": 6, "minute": 2}
